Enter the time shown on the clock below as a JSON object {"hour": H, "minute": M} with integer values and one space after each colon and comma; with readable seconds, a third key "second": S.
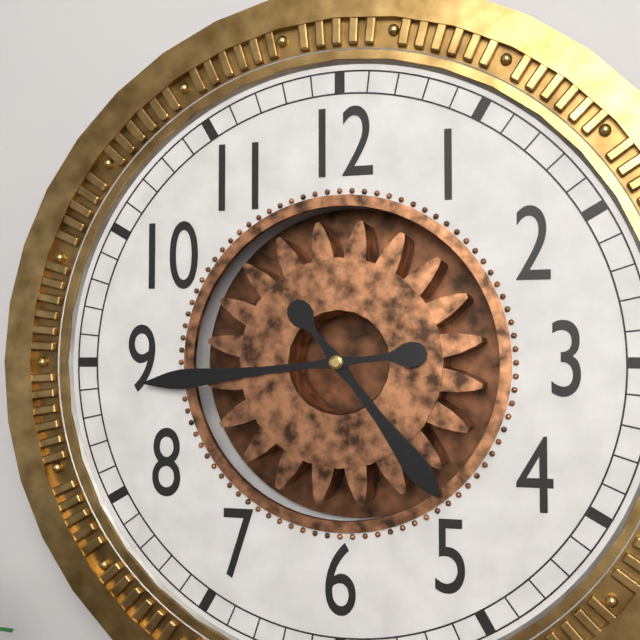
{"hour": 4, "minute": 44}
